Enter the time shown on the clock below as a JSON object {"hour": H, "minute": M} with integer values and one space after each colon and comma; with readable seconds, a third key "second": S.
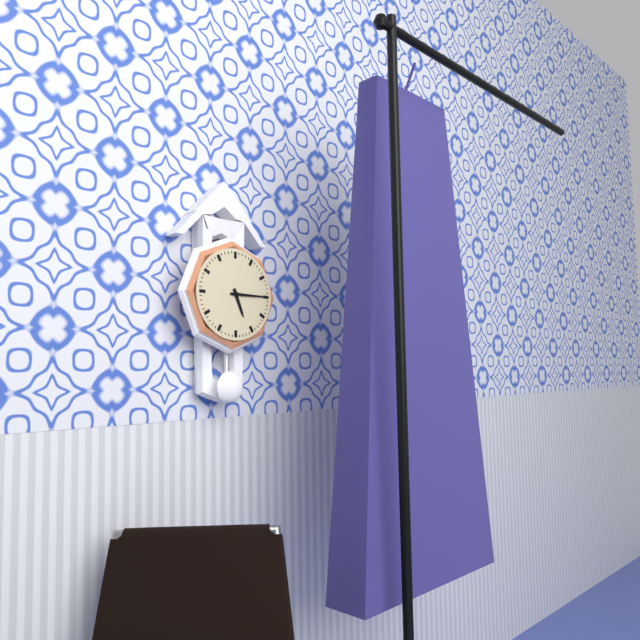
{"hour": 5, "minute": 15}
